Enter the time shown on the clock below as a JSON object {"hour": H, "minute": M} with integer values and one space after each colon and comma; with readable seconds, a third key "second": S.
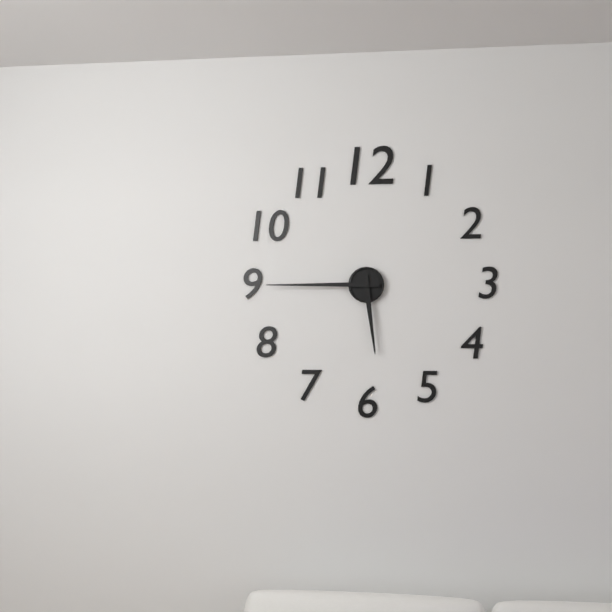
{"hour": 5, "minute": 45}
